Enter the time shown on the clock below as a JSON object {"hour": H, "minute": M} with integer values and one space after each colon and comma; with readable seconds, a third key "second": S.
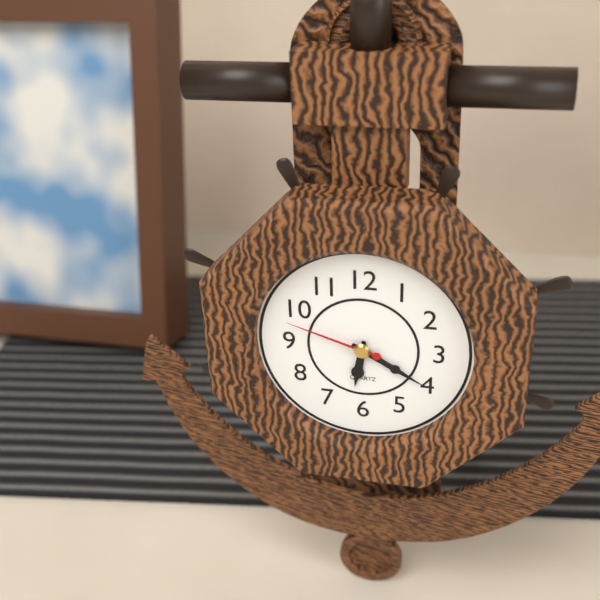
{"hour": 6, "minute": 20, "second": 48}
